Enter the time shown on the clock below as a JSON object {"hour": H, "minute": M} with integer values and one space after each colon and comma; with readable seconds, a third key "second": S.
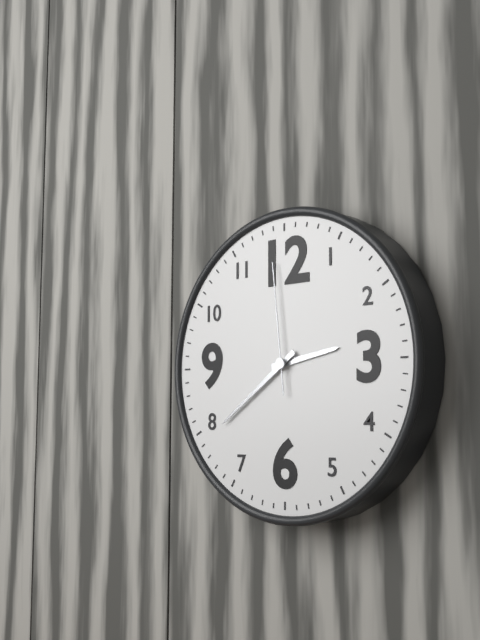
{"hour": 2, "minute": 39, "second": 59}
